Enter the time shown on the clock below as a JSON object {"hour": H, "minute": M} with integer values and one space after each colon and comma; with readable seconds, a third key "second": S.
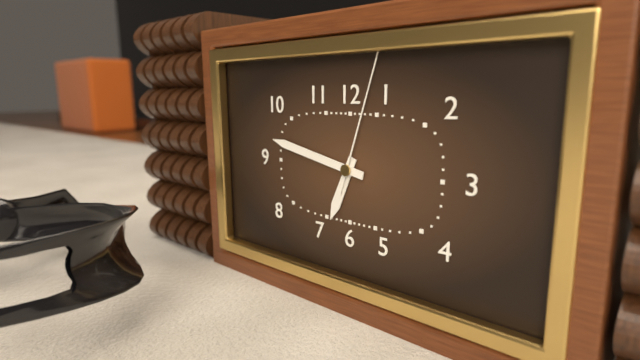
{"hour": 6, "minute": 47, "second": 3}
